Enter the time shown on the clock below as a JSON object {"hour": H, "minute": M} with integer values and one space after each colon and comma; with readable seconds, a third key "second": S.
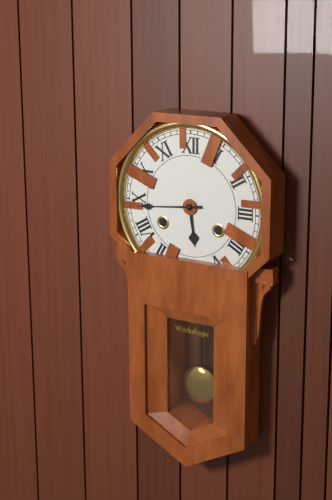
{"hour": 5, "minute": 44}
